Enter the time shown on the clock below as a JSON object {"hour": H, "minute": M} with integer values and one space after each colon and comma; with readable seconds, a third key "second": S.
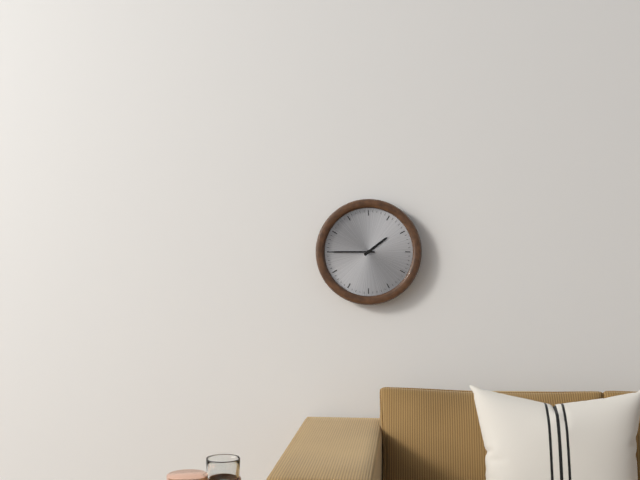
{"hour": 1, "minute": 45}
